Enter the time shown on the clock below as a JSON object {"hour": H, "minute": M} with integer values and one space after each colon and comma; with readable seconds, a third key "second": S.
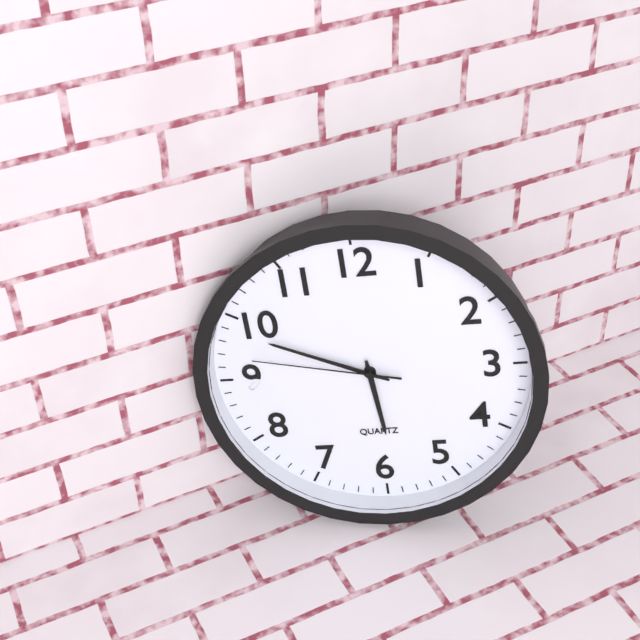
{"hour": 5, "minute": 49, "second": 47}
